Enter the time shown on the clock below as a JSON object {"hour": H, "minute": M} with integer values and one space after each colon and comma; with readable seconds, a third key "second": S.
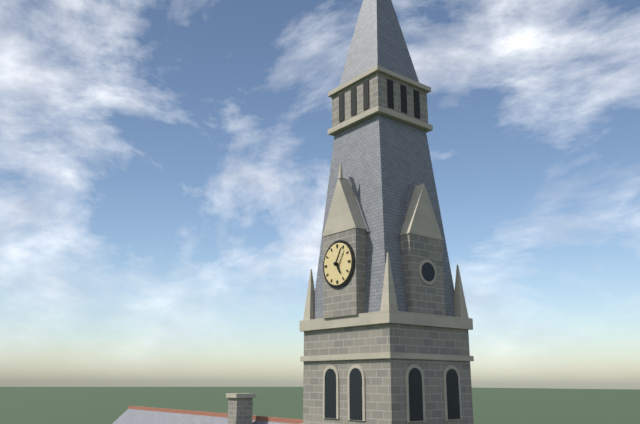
{"hour": 5, "minute": 5}
